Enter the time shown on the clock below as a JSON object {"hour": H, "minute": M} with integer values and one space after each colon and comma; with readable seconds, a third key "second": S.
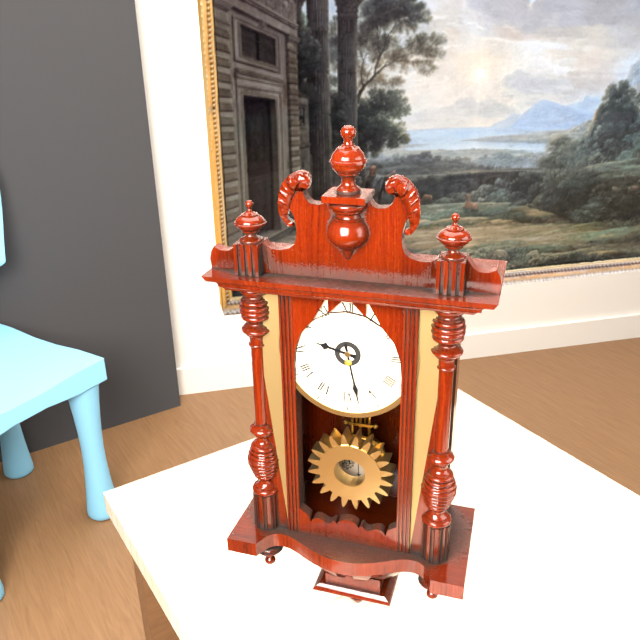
{"hour": 9, "minute": 28}
